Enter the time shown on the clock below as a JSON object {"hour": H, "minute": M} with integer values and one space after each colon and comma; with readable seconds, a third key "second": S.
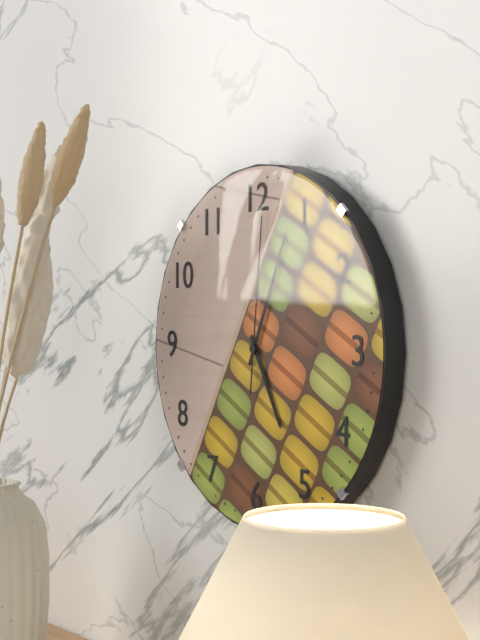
{"hour": 5, "minute": 4, "second": 1}
